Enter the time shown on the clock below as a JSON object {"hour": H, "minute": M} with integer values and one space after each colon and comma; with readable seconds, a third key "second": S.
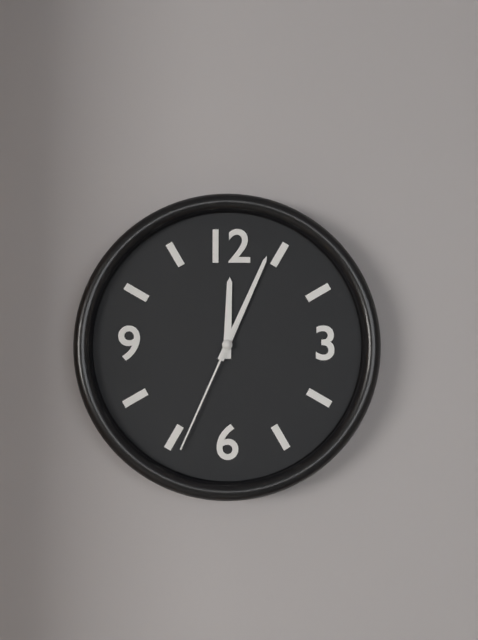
{"hour": 12, "minute": 4, "second": 34}
